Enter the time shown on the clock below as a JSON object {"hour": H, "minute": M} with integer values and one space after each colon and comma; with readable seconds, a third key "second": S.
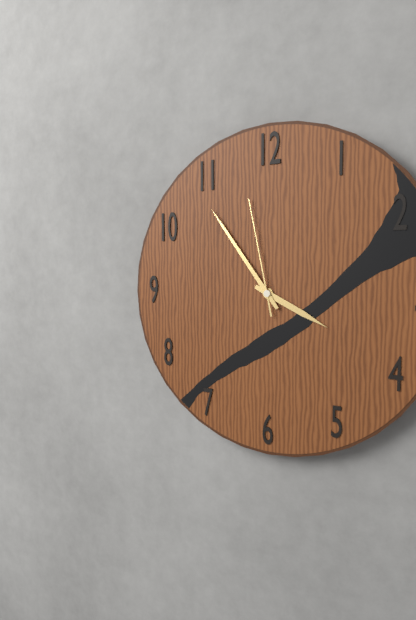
{"hour": 3, "minute": 54, "second": 58}
